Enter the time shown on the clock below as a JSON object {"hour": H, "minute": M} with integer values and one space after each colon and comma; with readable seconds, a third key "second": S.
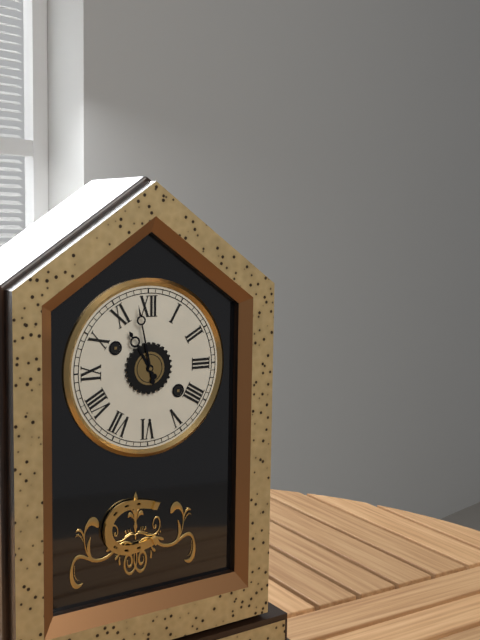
{"hour": 10, "minute": 58}
